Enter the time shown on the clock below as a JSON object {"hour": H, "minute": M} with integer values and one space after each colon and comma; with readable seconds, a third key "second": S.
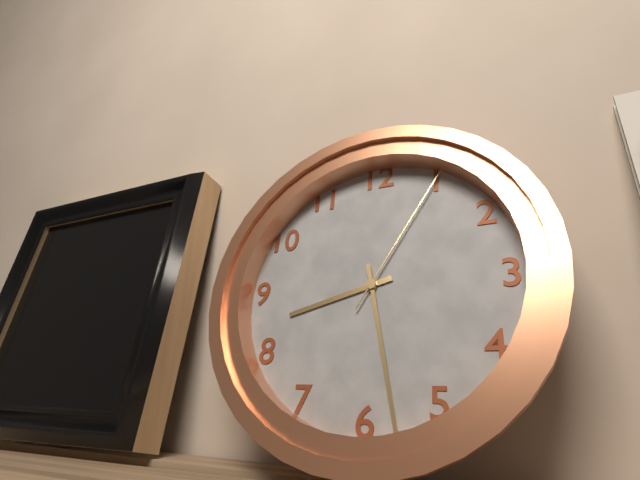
{"hour": 8, "minute": 28, "second": 5}
